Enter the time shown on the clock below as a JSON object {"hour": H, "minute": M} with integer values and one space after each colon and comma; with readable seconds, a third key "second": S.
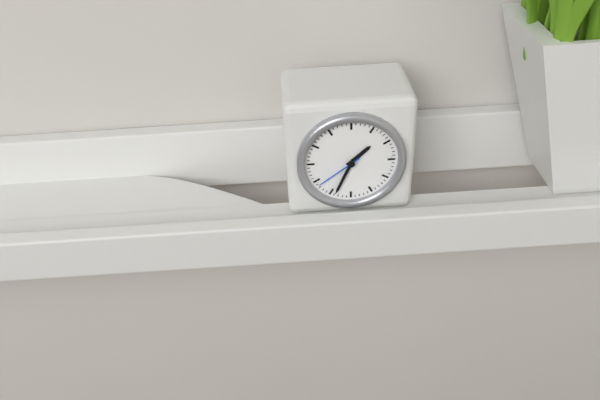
{"hour": 1, "minute": 34, "second": 39}
